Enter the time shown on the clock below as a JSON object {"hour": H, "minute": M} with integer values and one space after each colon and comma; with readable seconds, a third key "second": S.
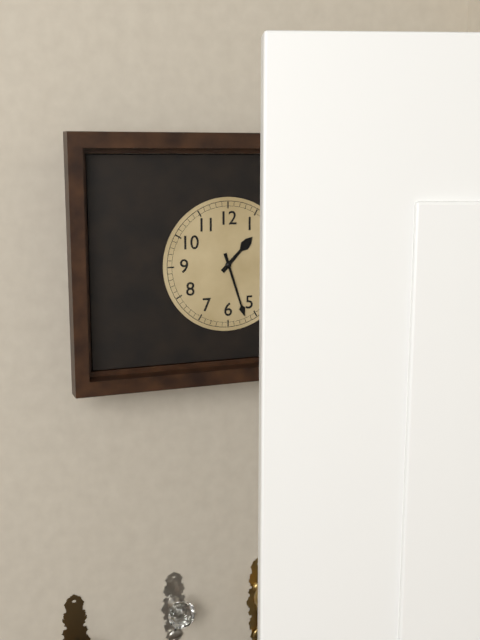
{"hour": 1, "minute": 27}
